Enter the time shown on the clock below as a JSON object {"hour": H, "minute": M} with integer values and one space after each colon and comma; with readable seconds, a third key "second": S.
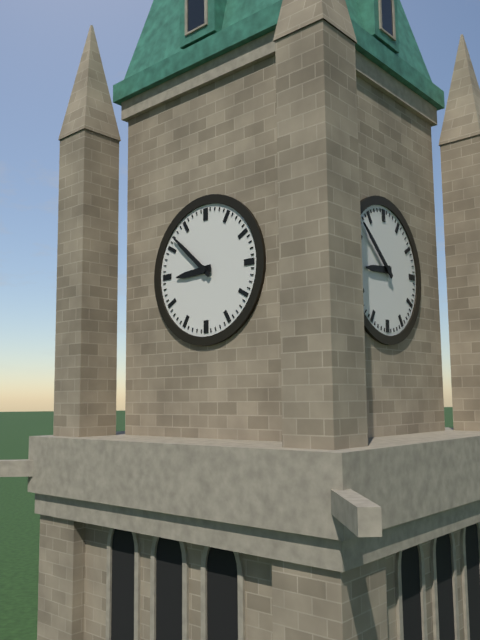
{"hour": 8, "minute": 52}
